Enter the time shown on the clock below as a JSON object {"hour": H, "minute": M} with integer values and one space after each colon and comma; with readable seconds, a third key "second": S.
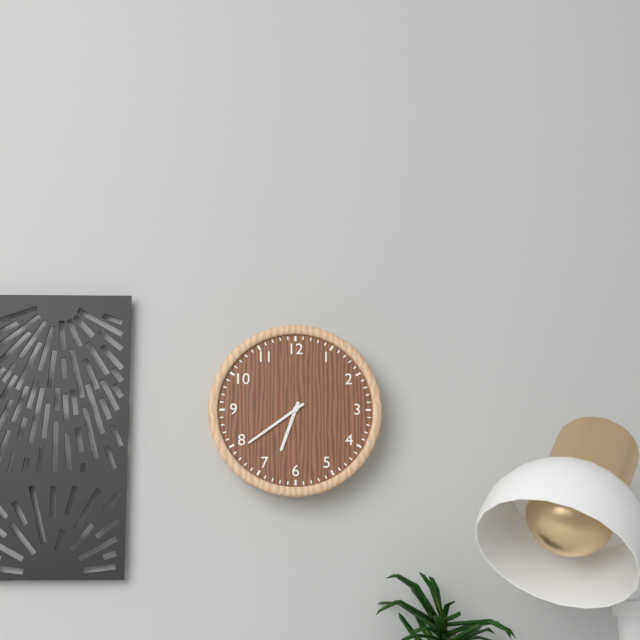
{"hour": 6, "minute": 39}
